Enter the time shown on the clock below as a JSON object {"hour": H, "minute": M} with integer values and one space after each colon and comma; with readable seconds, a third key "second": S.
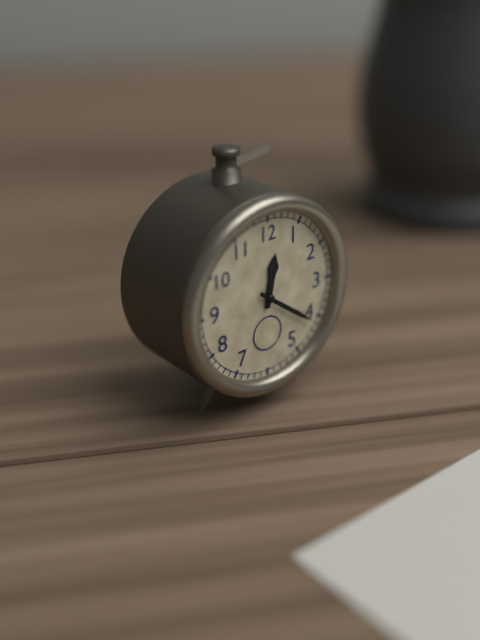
{"hour": 12, "minute": 21}
